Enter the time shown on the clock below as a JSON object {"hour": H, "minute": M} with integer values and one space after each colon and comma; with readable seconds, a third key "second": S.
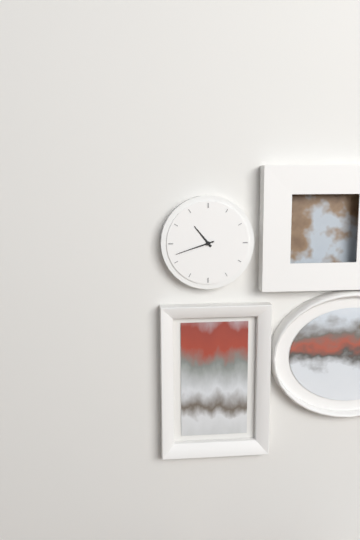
{"hour": 10, "minute": 42}
